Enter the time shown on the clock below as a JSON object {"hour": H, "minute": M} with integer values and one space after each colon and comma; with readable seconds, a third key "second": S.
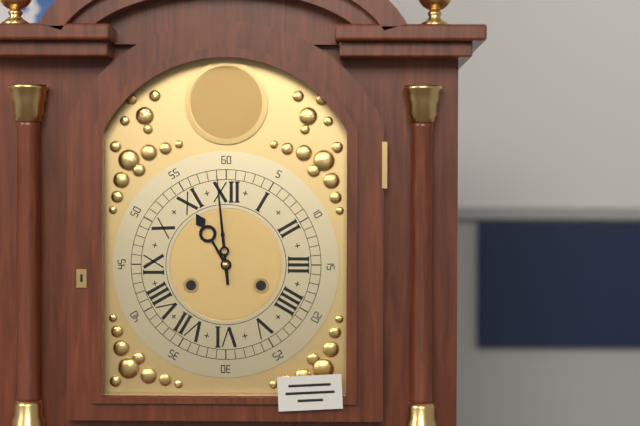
{"hour": 10, "minute": 59}
